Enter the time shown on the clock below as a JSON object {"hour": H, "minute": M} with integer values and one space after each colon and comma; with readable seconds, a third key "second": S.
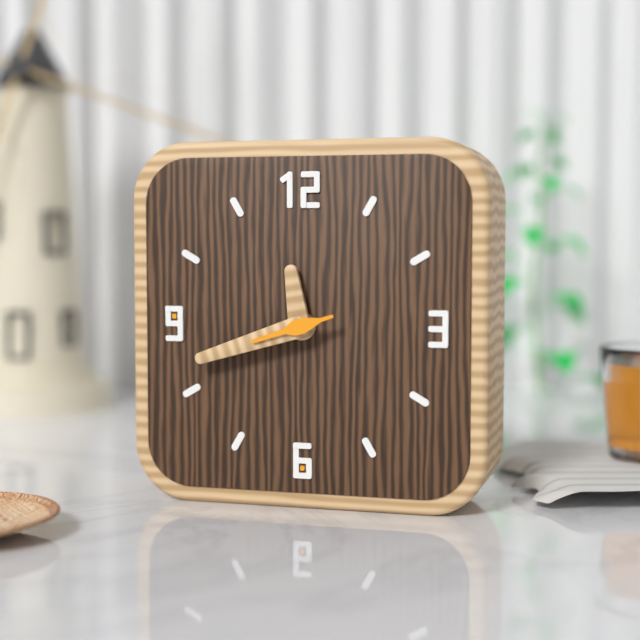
{"hour": 11, "minute": 42, "second": 42}
